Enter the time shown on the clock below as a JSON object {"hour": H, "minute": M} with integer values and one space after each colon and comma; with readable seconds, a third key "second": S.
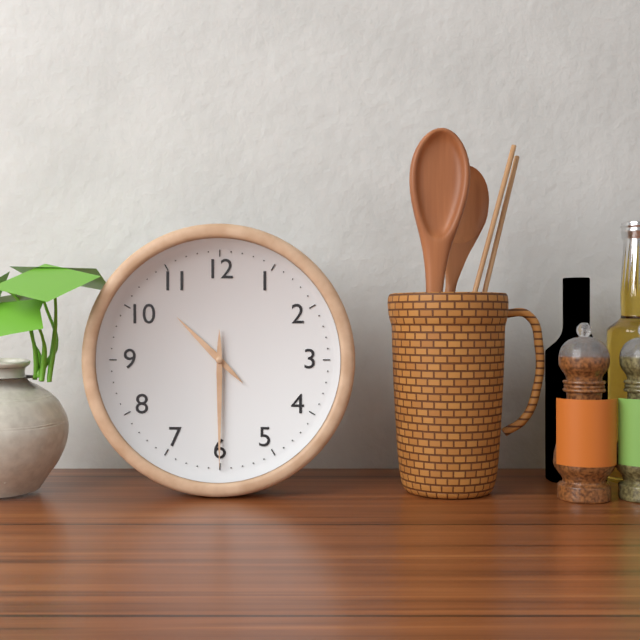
{"hour": 10, "minute": 30}
